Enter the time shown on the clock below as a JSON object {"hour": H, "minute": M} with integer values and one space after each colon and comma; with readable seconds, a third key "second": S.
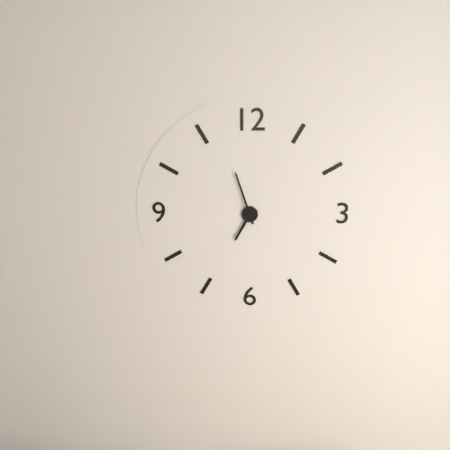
{"hour": 6, "minute": 57}
